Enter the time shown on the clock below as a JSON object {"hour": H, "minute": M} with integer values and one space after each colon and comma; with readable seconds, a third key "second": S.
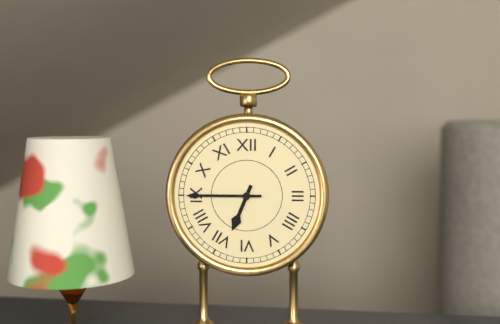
{"hour": 6, "minute": 45}
